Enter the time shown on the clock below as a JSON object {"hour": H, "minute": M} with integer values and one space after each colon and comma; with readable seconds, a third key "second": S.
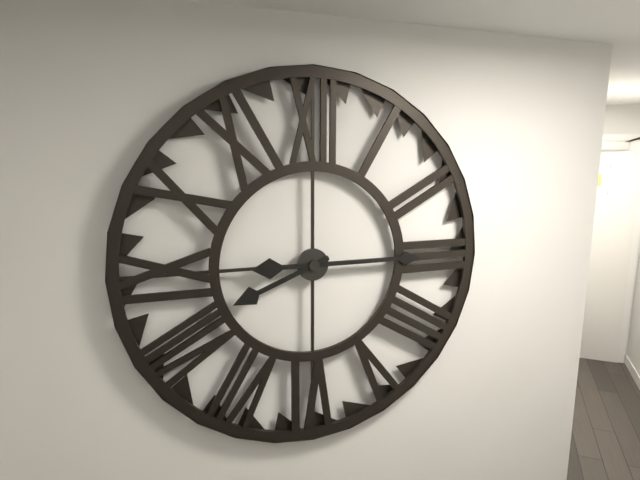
{"hour": 8, "minute": 15}
